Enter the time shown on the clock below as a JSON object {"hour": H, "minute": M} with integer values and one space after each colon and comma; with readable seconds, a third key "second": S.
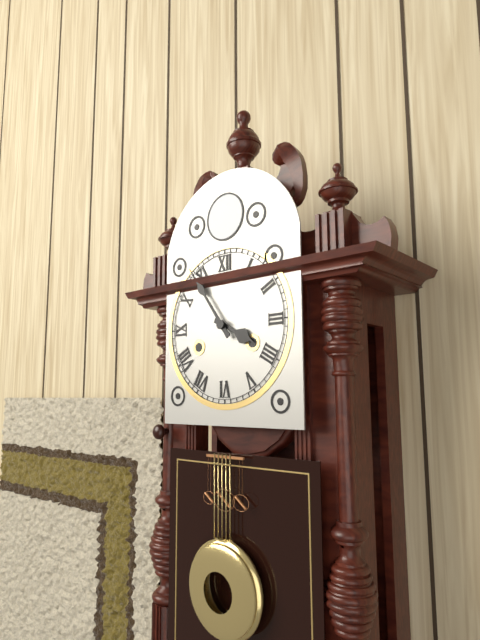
{"hour": 3, "minute": 54}
